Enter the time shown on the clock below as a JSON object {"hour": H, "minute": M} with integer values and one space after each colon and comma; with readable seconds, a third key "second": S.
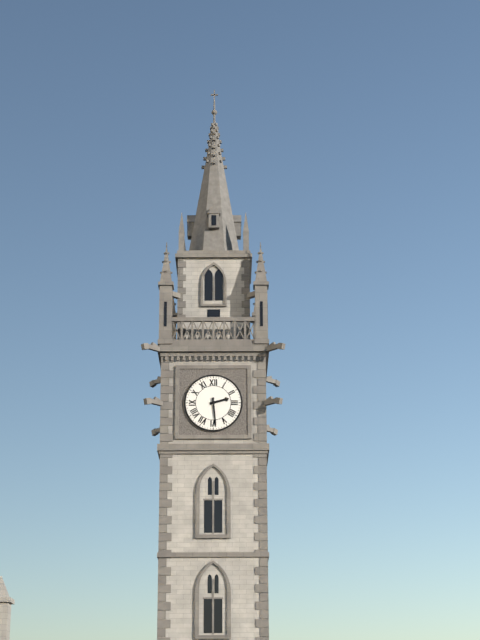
{"hour": 2, "minute": 29}
